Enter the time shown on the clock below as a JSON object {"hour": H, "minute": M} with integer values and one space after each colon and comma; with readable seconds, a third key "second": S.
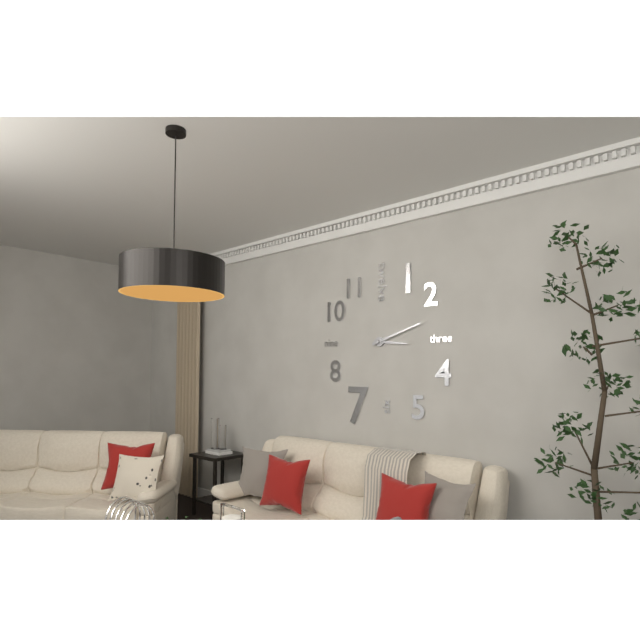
{"hour": 3, "minute": 12}
